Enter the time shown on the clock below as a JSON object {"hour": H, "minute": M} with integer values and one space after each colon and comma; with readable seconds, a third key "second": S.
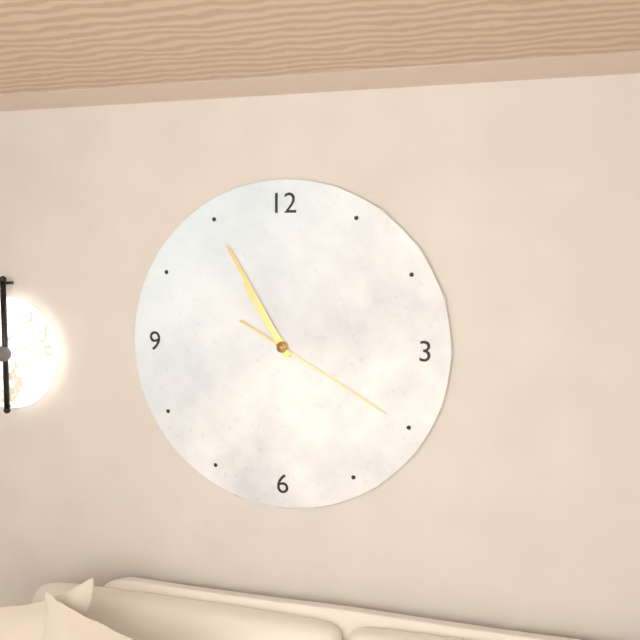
{"hour": 10, "minute": 55, "second": 20}
